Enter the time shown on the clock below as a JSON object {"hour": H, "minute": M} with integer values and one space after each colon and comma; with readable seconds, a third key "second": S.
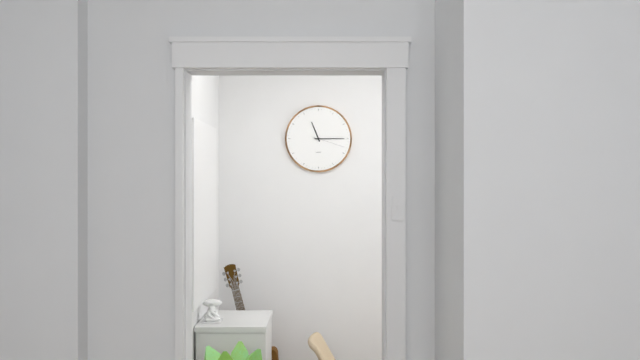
{"hour": 11, "minute": 15}
